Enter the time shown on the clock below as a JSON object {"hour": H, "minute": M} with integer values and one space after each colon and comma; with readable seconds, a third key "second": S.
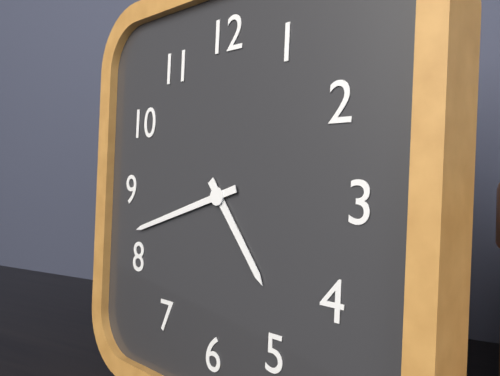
{"hour": 4, "minute": 42}
